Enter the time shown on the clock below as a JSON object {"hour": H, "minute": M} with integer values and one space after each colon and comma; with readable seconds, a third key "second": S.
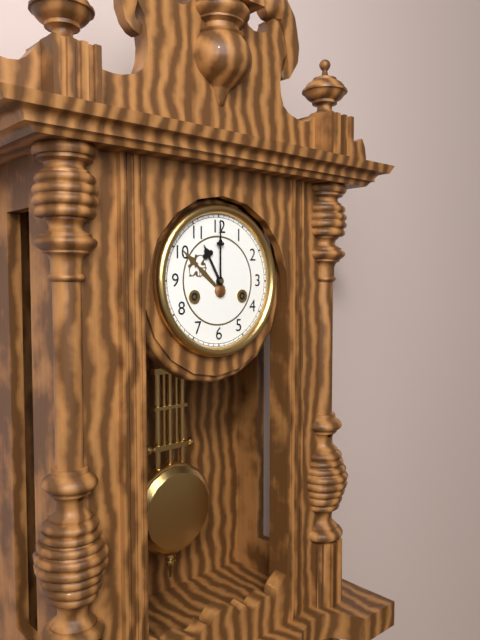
{"hour": 11, "minute": 0}
